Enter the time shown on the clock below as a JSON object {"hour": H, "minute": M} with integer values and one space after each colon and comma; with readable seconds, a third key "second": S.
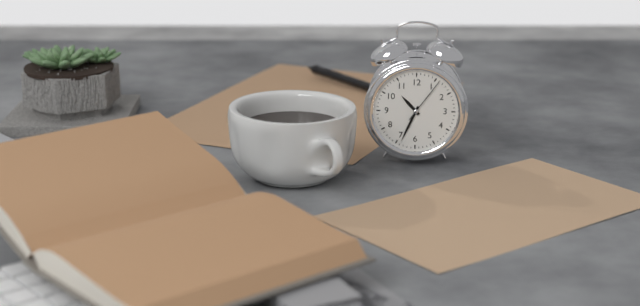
{"hour": 10, "minute": 34}
